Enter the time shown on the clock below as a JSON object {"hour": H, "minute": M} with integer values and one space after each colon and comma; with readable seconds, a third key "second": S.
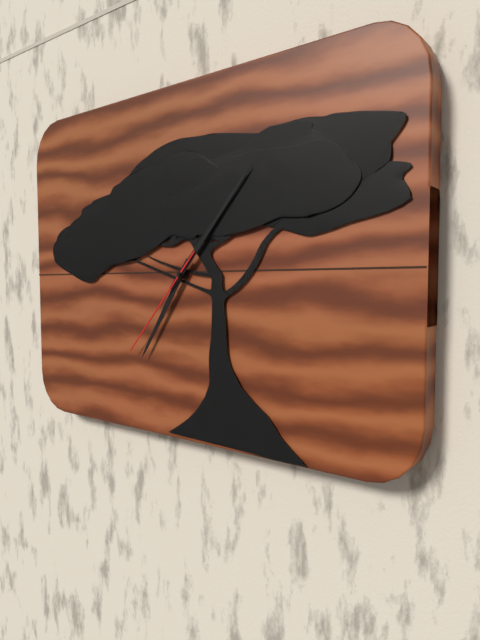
{"hour": 7, "minute": 7, "second": 37}
